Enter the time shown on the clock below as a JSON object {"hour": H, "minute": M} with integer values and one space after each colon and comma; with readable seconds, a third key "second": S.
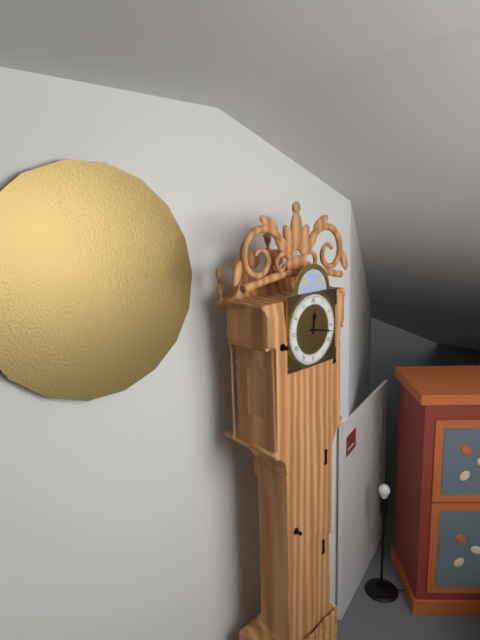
{"hour": 12, "minute": 17}
